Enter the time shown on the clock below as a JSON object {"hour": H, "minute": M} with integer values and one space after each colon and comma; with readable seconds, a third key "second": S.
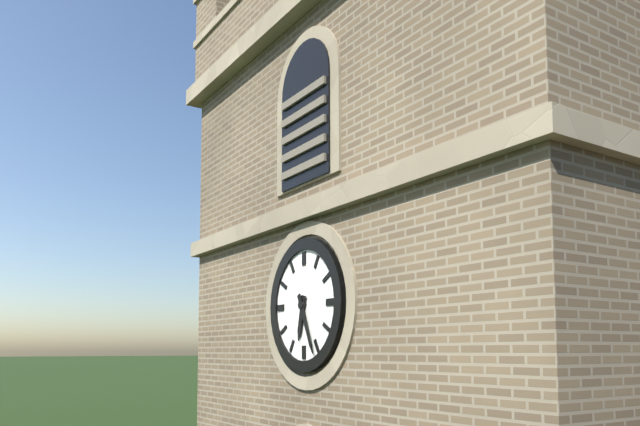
{"hour": 6, "minute": 26}
